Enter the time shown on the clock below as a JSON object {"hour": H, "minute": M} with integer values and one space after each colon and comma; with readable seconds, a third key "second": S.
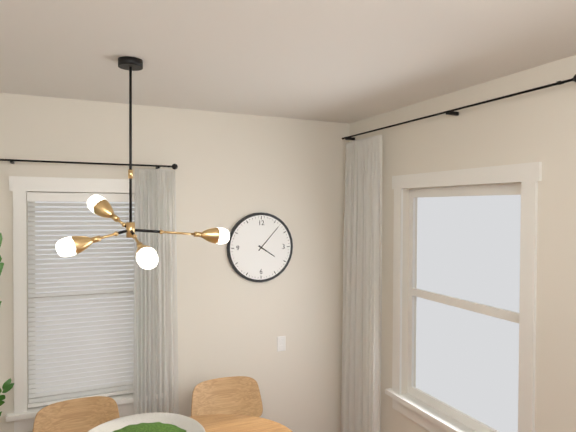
{"hour": 4, "minute": 7}
